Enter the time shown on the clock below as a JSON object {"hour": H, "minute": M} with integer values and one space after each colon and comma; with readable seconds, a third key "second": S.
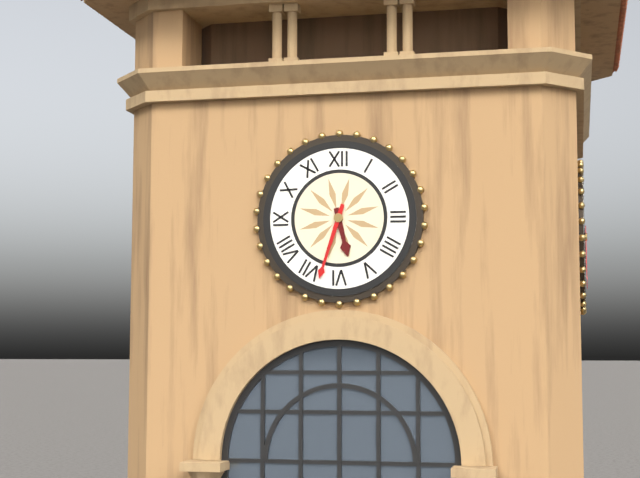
{"hour": 5, "minute": 33}
